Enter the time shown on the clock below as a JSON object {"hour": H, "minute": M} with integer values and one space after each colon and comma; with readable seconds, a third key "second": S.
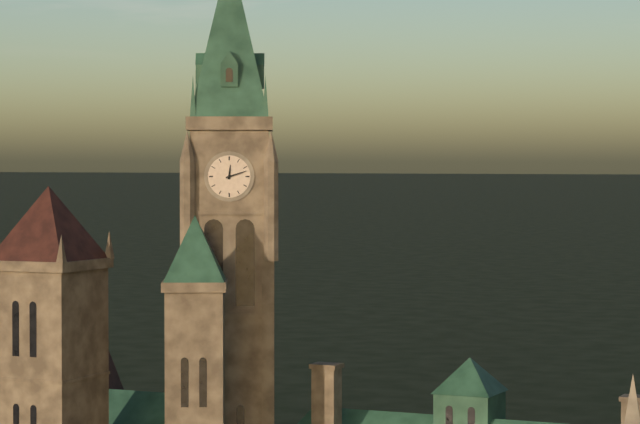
{"hour": 12, "minute": 12}
